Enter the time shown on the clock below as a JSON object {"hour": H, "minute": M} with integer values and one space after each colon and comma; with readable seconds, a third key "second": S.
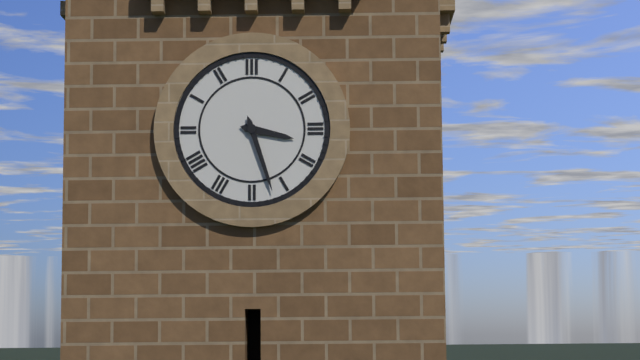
{"hour": 3, "minute": 27}
